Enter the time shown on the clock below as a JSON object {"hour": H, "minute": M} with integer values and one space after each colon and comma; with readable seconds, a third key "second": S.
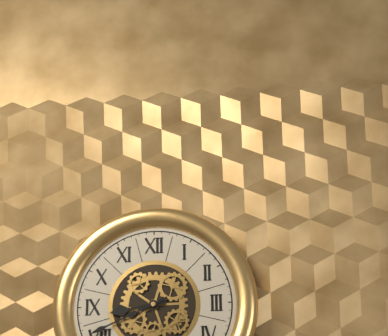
{"hour": 8, "minute": 41}
